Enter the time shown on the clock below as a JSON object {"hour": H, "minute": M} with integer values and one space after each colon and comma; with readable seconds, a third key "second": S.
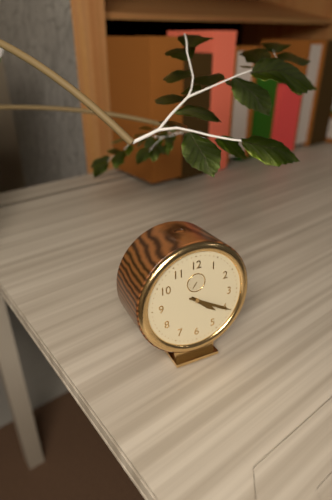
{"hour": 4, "minute": 20}
